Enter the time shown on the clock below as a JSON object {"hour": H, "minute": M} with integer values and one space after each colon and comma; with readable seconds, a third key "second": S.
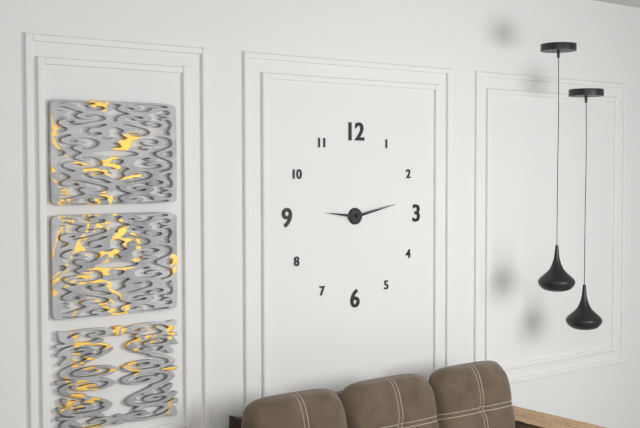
{"hour": 9, "minute": 13}
